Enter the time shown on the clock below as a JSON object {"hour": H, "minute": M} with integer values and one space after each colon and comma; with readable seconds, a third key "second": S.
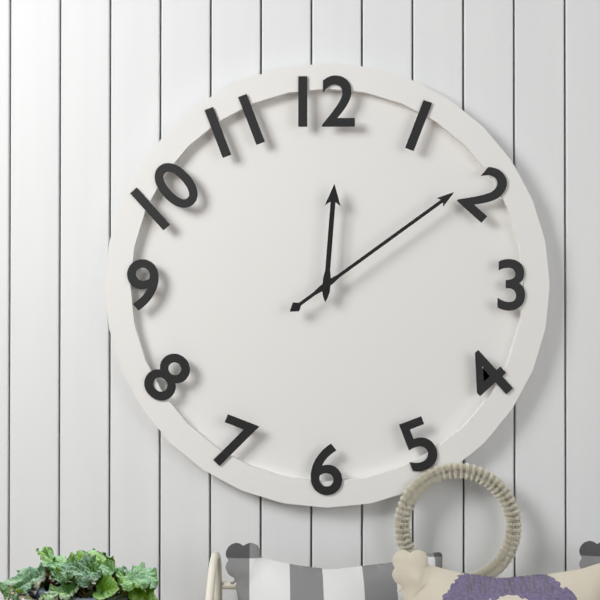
{"hour": 12, "minute": 9}
